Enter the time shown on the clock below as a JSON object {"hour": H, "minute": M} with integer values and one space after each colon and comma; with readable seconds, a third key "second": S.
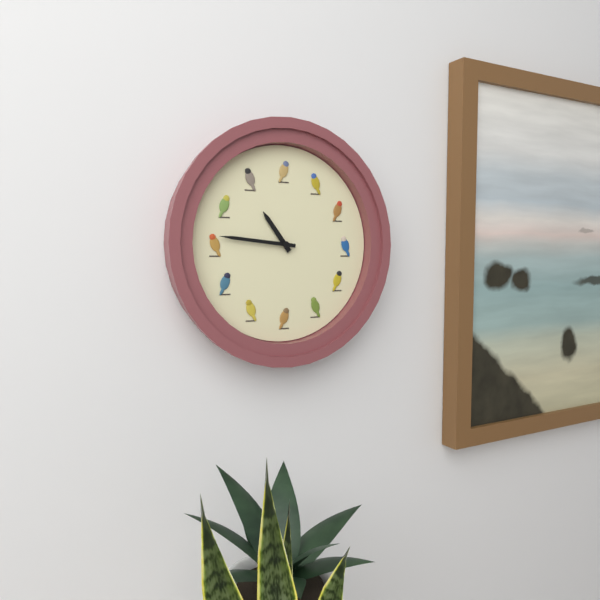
{"hour": 10, "minute": 46}
